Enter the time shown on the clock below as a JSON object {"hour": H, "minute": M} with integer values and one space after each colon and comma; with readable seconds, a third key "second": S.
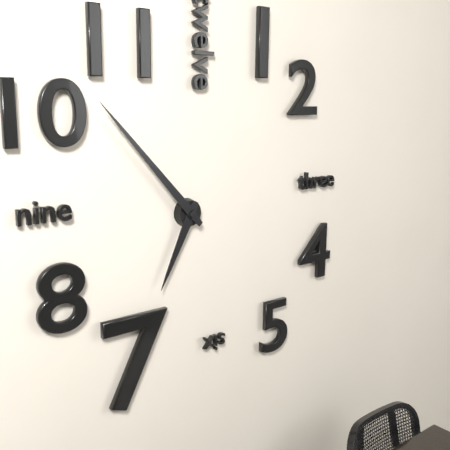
{"hour": 6, "minute": 53}
